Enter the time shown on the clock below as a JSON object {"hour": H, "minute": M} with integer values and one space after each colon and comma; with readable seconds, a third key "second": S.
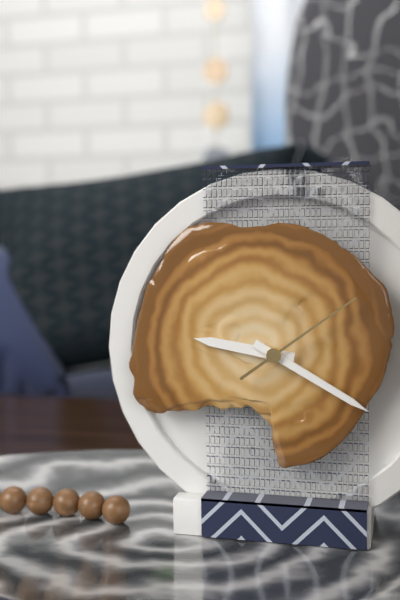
{"hour": 9, "minute": 20, "second": 9}
